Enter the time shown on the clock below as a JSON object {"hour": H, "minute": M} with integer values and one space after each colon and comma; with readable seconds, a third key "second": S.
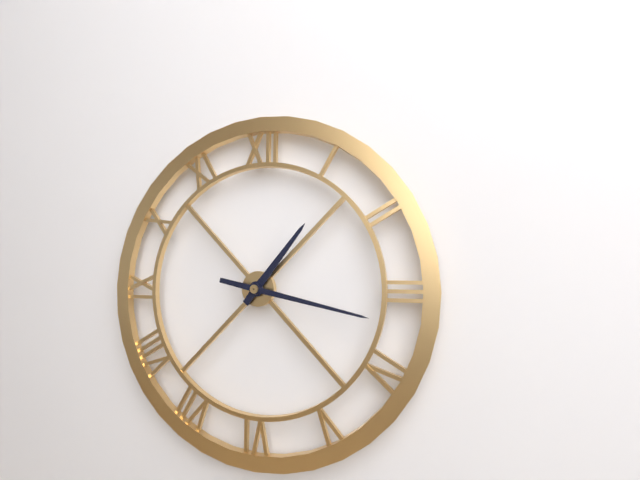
{"hour": 1, "minute": 17}
